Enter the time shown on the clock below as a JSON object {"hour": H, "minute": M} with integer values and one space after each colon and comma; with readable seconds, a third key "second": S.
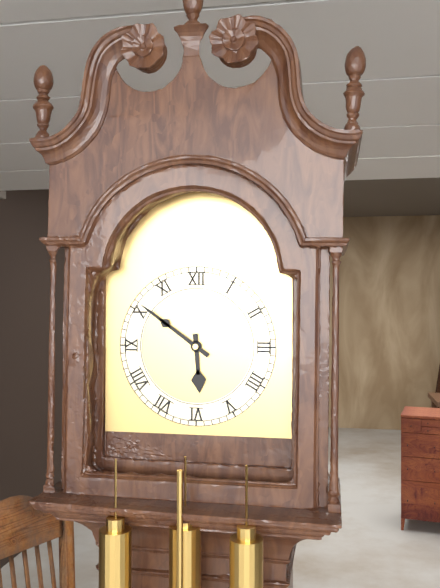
{"hour": 5, "minute": 51}
